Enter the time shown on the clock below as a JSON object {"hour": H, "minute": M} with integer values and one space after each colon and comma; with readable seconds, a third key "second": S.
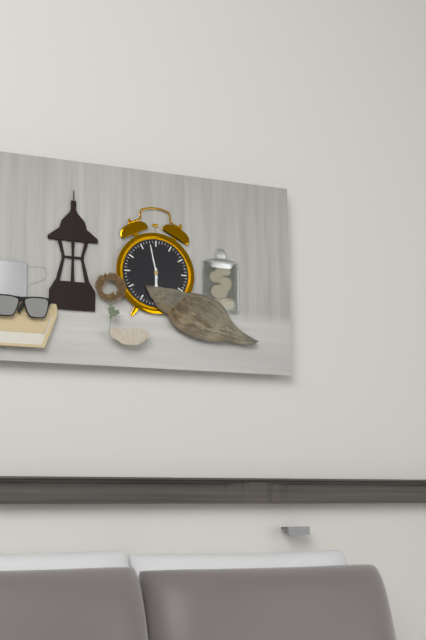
{"hour": 5, "minute": 58}
